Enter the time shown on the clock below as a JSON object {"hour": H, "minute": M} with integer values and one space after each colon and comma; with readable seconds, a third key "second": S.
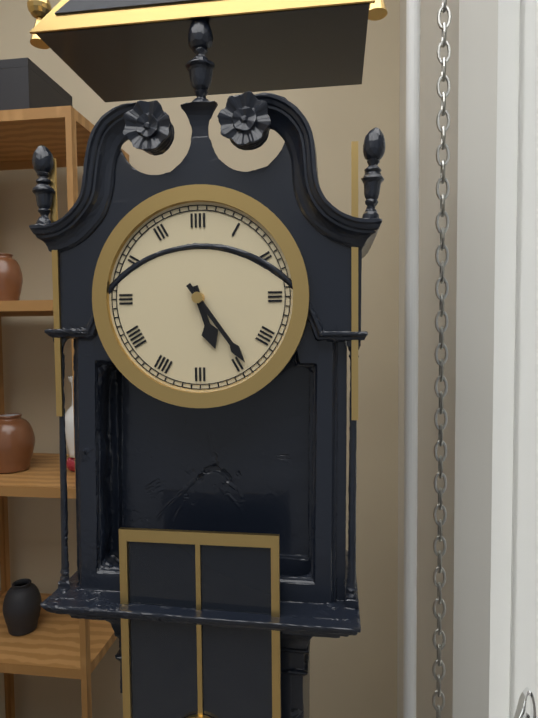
{"hour": 5, "minute": 24}
